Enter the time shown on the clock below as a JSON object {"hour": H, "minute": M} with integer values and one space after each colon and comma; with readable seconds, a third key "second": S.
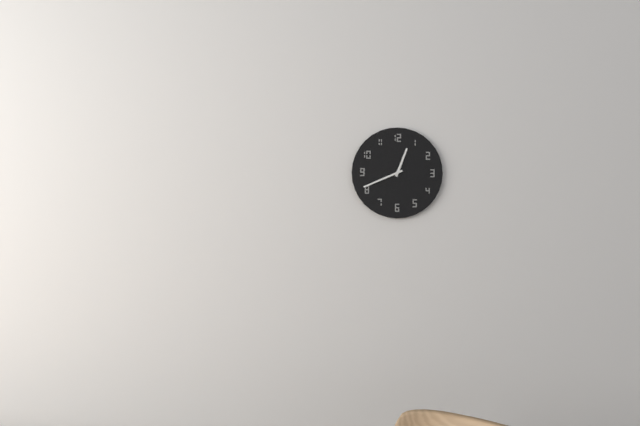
{"hour": 12, "minute": 41}
